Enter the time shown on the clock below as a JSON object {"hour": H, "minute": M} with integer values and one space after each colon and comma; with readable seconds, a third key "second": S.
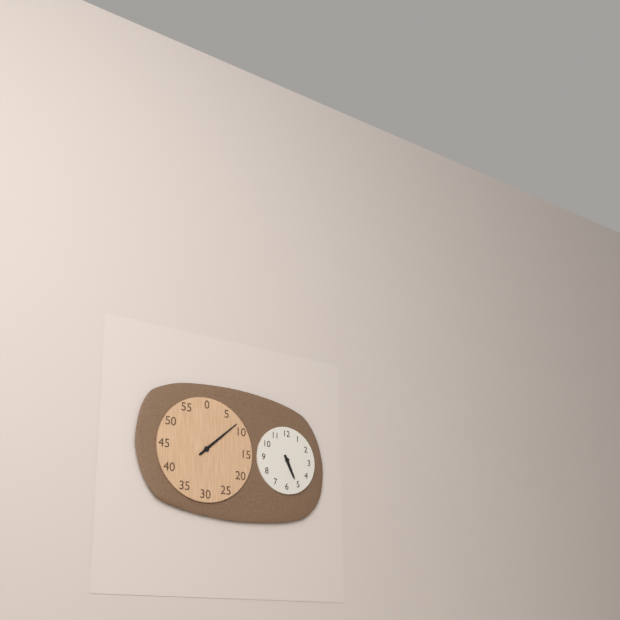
{"hour": 5, "minute": 8}
